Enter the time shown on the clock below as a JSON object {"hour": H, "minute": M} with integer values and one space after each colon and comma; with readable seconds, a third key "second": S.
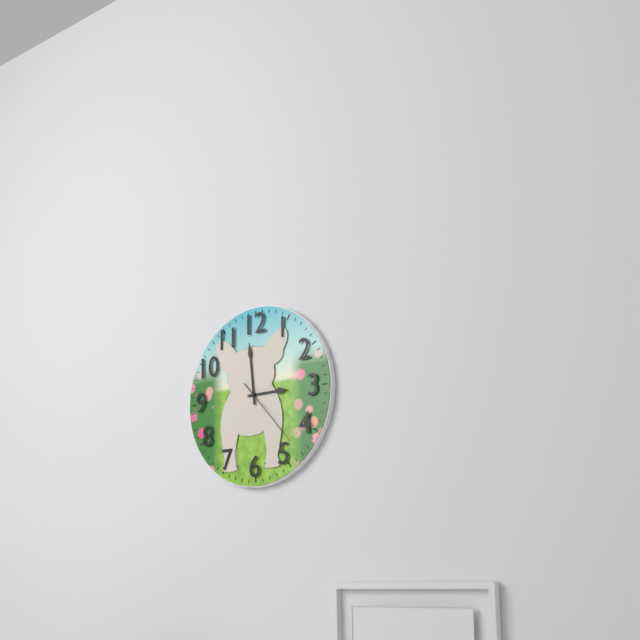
{"hour": 2, "minute": 59, "second": 23}
